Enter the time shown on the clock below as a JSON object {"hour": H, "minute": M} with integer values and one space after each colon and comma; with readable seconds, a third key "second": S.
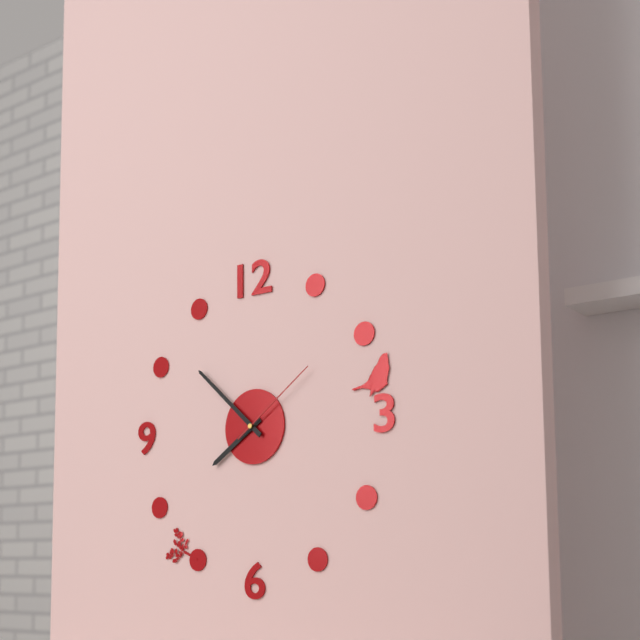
{"hour": 7, "minute": 52, "second": 9}
